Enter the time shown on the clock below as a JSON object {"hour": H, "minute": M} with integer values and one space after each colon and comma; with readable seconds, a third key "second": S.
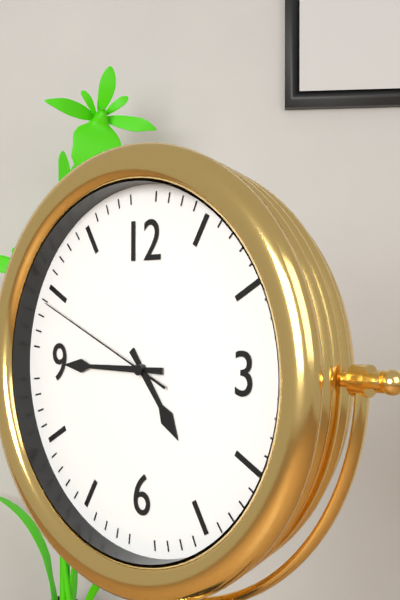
{"hour": 4, "minute": 45, "second": 49}
